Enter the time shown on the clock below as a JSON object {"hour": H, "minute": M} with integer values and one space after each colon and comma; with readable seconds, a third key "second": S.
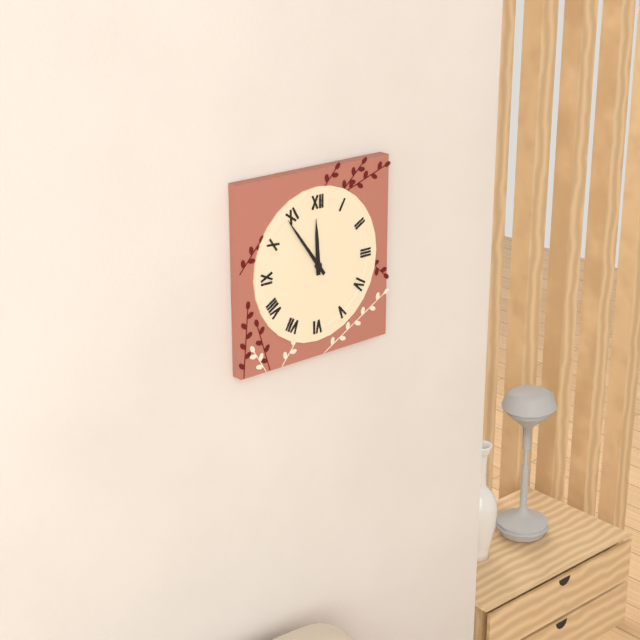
{"hour": 11, "minute": 54}
